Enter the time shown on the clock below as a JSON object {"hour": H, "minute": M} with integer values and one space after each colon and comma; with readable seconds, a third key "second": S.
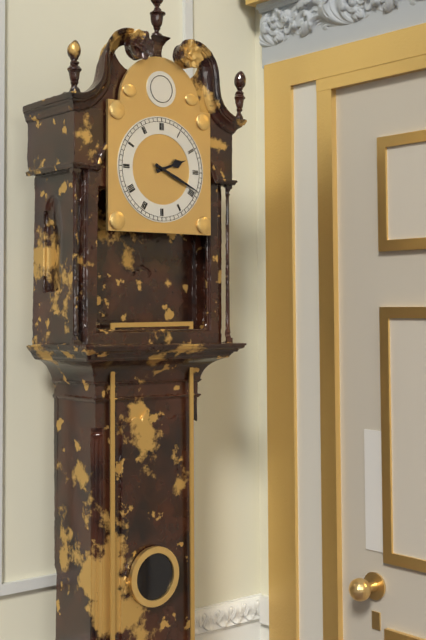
{"hour": 2, "minute": 19}
